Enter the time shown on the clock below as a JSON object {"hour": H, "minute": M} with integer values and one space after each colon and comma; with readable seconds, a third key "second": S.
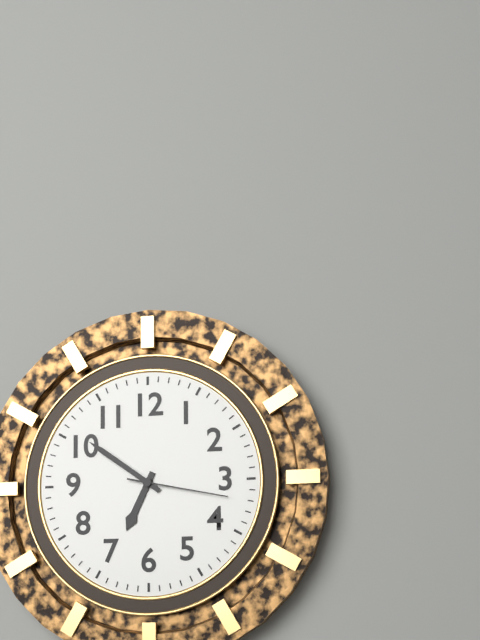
{"hour": 6, "minute": 51, "second": 17}
